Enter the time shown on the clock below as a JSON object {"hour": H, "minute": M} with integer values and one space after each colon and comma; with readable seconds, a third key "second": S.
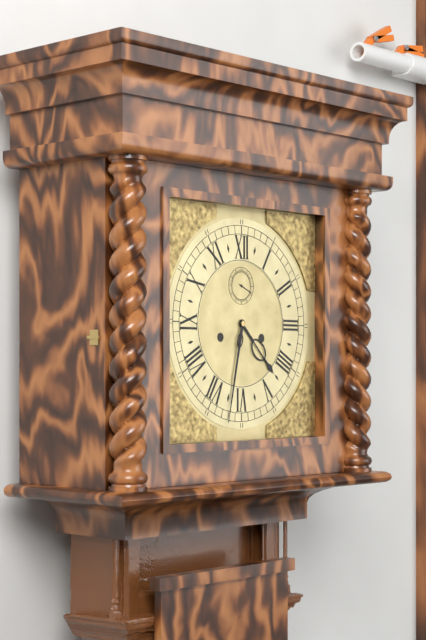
{"hour": 4, "minute": 32}
